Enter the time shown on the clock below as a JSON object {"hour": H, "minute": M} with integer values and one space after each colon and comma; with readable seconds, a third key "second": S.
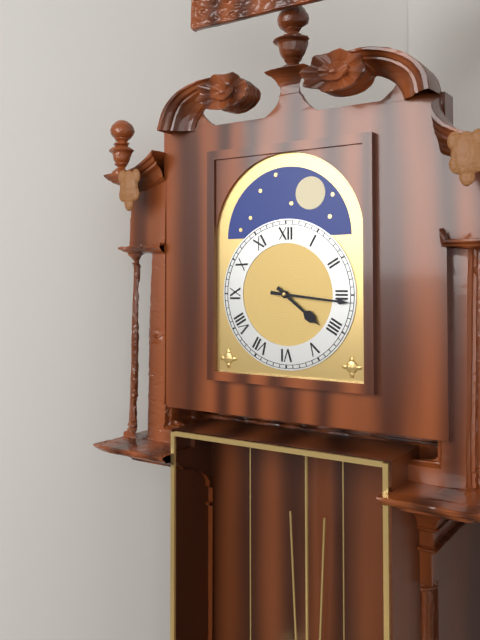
{"hour": 4, "minute": 16}
